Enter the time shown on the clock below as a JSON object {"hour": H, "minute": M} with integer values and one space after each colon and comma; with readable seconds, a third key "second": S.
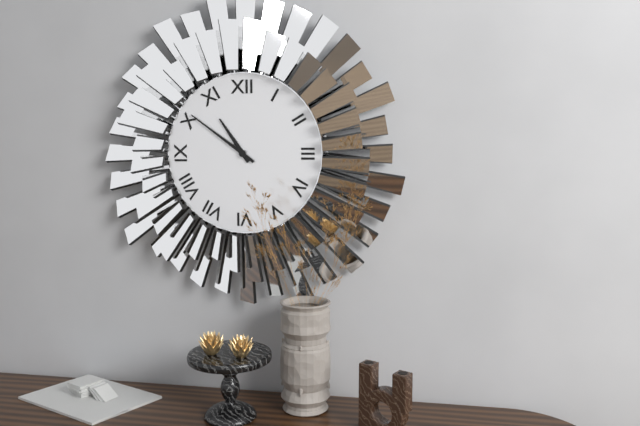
{"hour": 10, "minute": 51}
